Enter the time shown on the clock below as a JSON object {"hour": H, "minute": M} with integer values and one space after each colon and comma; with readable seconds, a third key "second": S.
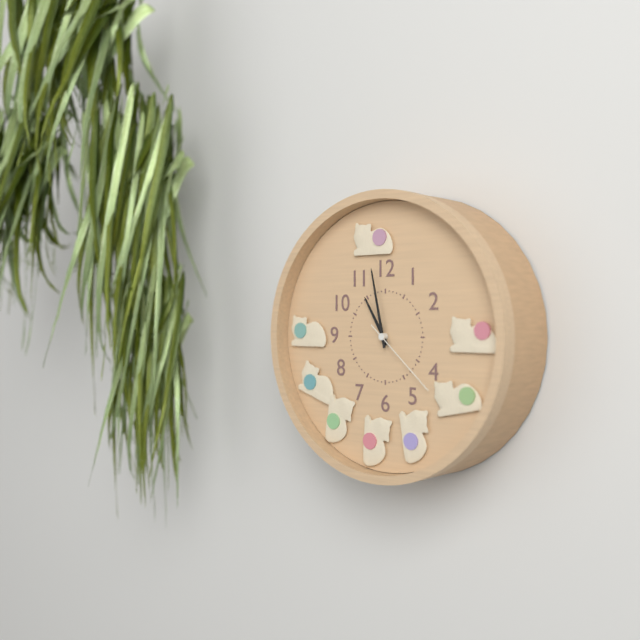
{"hour": 10, "minute": 58, "second": 22}
